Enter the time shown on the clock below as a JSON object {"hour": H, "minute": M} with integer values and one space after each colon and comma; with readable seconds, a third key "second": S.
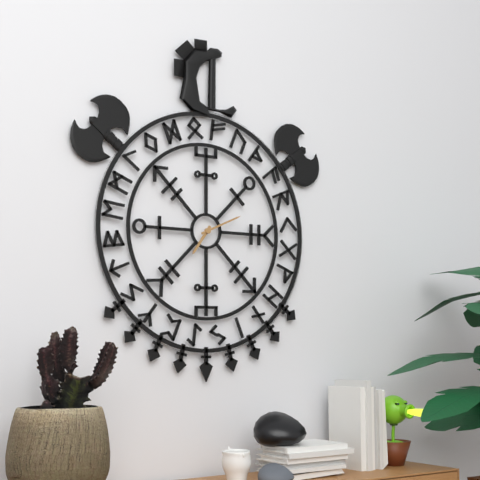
{"hour": 7, "minute": 11}
